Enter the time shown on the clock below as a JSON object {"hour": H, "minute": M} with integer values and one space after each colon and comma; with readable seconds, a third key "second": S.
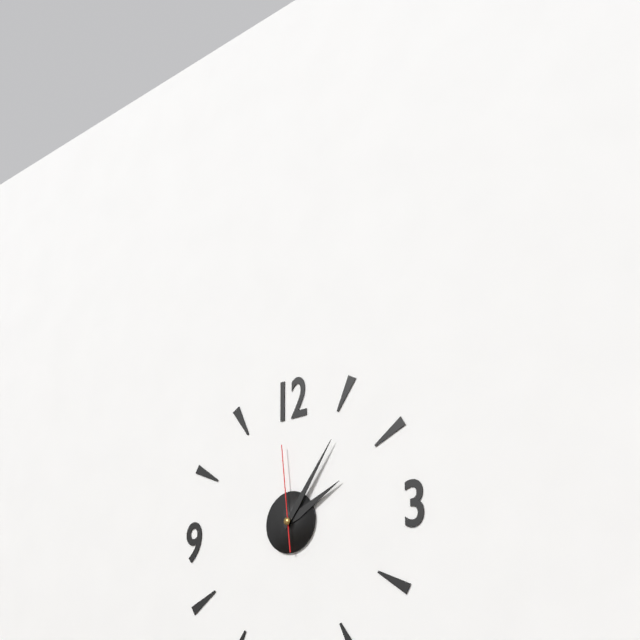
{"hour": 2, "minute": 6, "second": 59}
